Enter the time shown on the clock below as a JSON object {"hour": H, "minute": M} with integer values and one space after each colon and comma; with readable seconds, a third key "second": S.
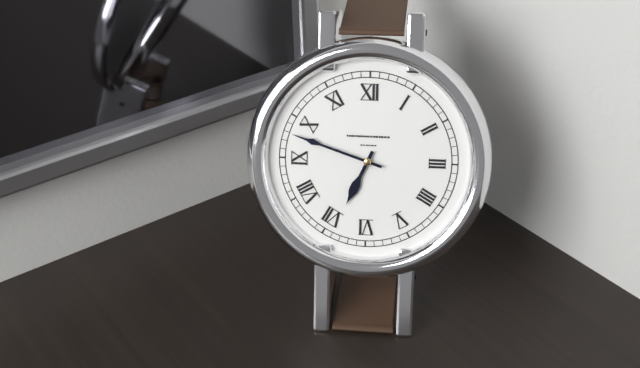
{"hour": 6, "minute": 48}
